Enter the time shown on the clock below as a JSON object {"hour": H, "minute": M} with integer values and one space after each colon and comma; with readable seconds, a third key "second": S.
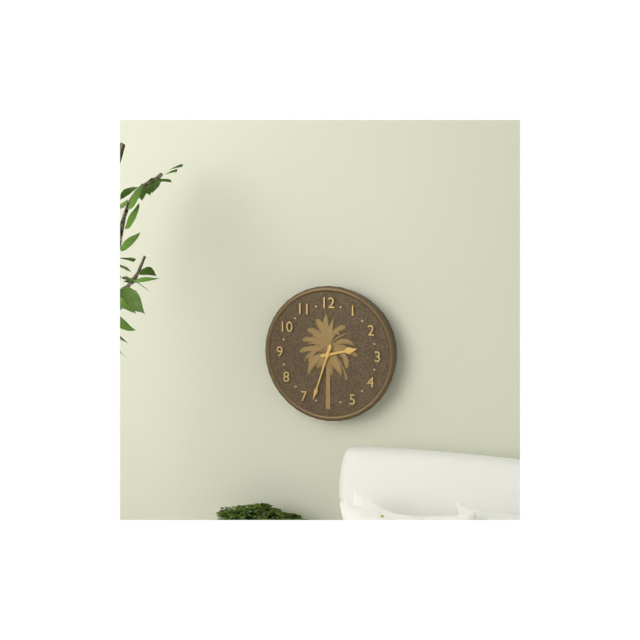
{"hour": 2, "minute": 33}
